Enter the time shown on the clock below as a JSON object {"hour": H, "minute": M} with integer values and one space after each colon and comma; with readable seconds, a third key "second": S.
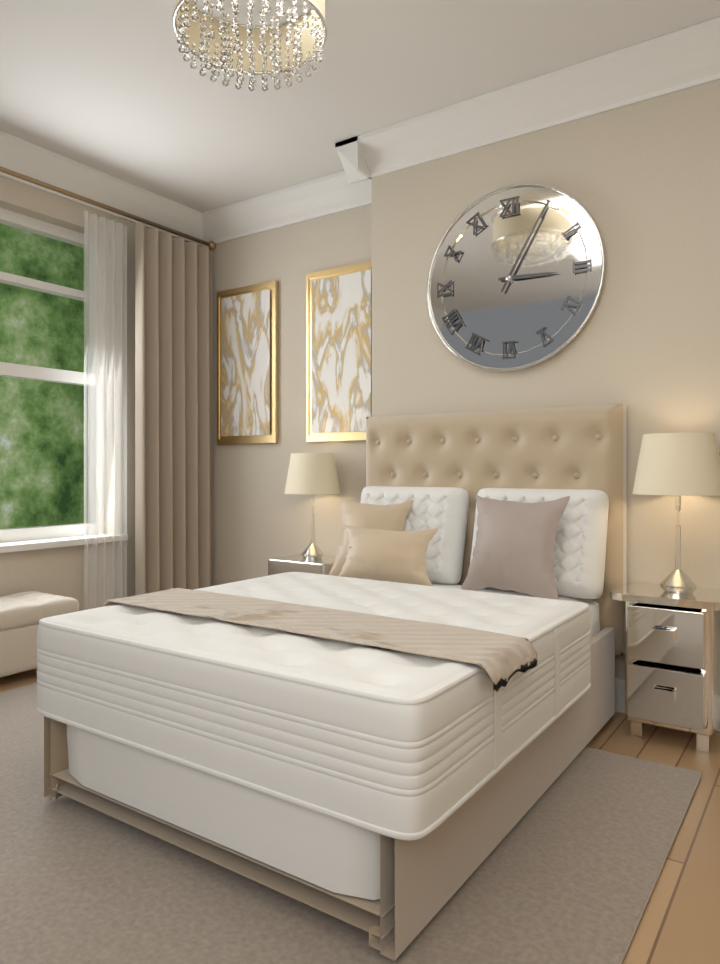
{"hour": 3, "minute": 5}
